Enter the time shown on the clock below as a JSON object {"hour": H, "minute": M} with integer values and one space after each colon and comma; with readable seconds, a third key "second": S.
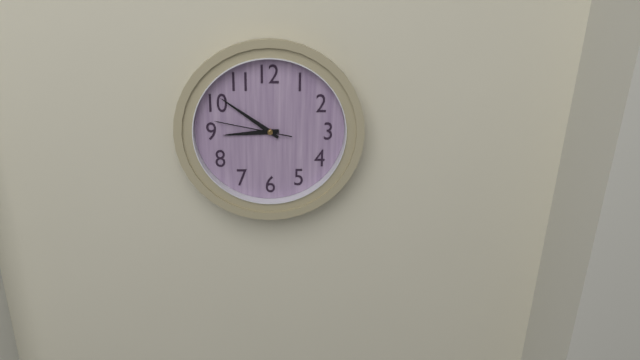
{"hour": 8, "minute": 51, "second": 47}
